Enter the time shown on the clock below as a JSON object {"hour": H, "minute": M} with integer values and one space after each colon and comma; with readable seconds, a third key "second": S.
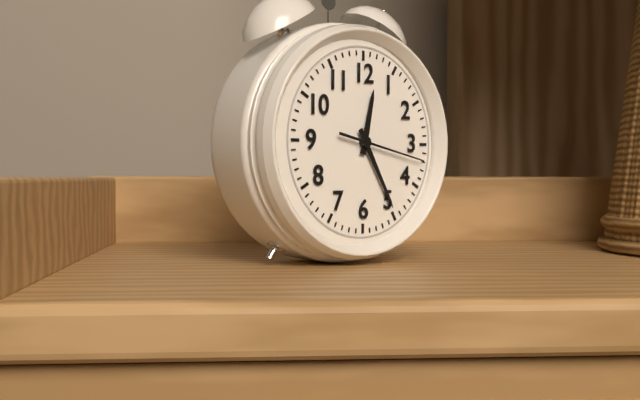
{"hour": 12, "minute": 25, "second": 17}
